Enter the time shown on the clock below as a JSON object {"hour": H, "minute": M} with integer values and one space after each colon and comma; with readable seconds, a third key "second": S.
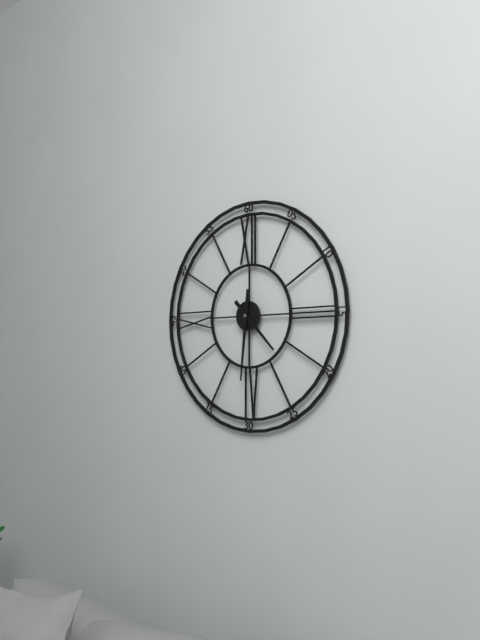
{"hour": 4, "minute": 31}
